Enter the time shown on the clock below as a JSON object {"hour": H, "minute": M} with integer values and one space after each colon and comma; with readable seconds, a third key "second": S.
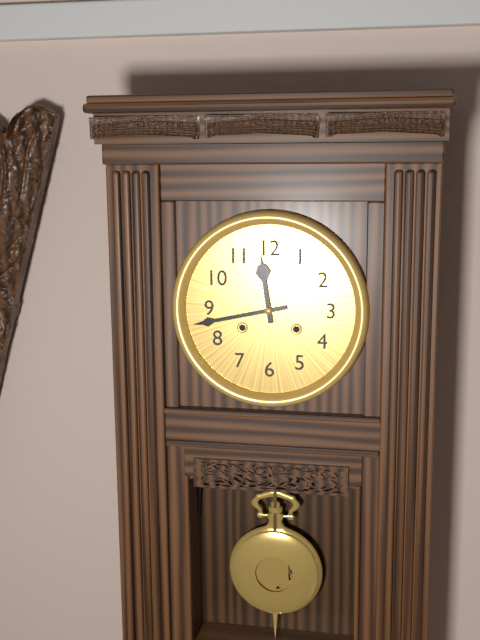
{"hour": 11, "minute": 43}
